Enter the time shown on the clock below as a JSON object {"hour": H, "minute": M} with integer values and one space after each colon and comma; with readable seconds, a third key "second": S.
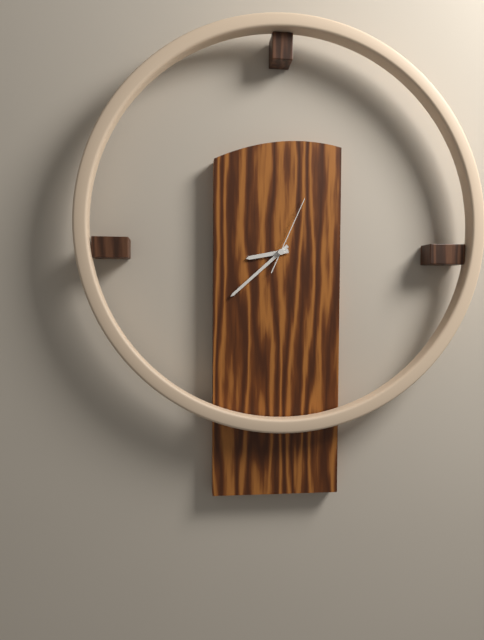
{"hour": 8, "minute": 38, "second": 4}
